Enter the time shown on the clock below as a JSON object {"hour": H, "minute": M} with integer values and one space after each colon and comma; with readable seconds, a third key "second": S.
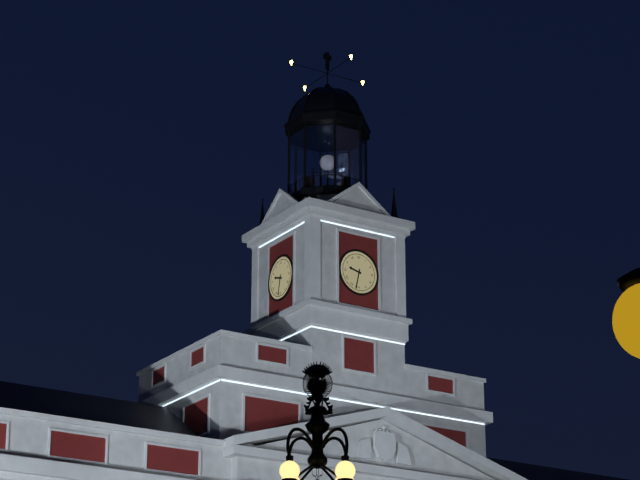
{"hour": 9, "minute": 32}
